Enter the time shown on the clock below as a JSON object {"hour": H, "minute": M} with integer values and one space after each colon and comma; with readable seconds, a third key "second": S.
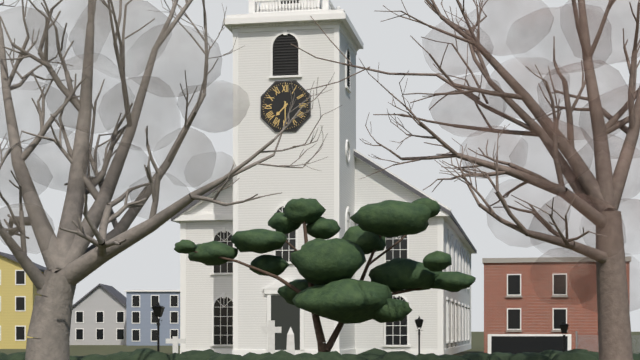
{"hour": 7, "minute": 30}
